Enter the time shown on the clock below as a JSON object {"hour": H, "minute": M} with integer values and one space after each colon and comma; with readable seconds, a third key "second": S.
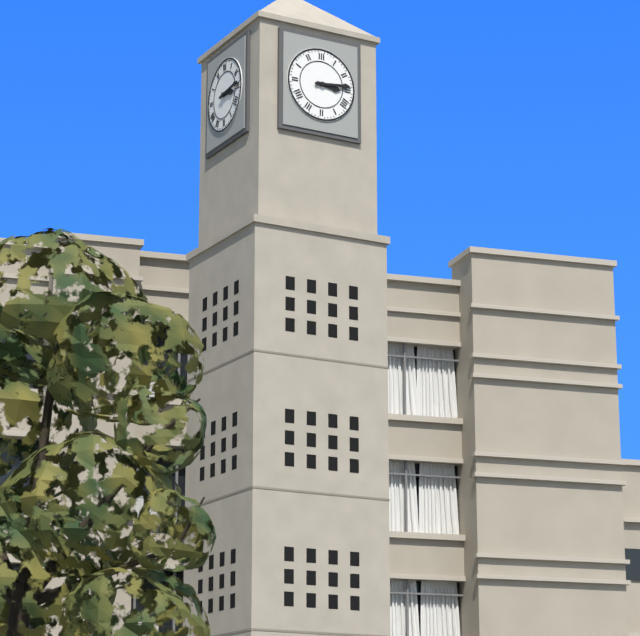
{"hour": 3, "minute": 14}
